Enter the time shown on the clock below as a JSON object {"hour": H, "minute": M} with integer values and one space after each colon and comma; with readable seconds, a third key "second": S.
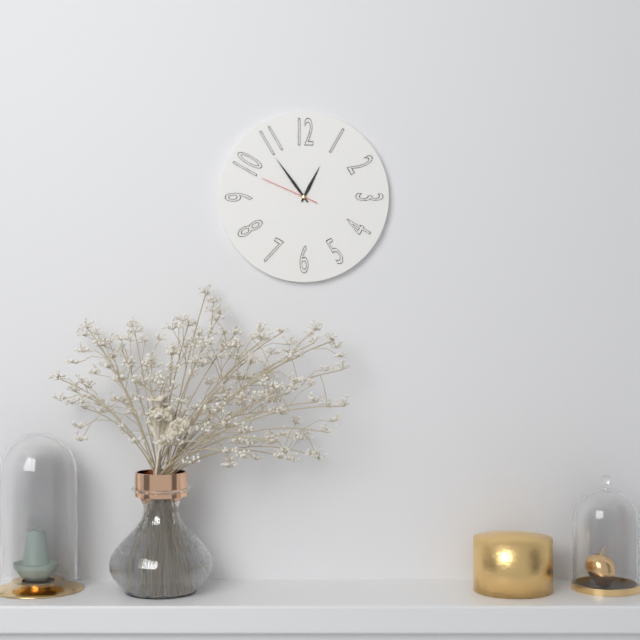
{"hour": 12, "minute": 54, "second": 49}
